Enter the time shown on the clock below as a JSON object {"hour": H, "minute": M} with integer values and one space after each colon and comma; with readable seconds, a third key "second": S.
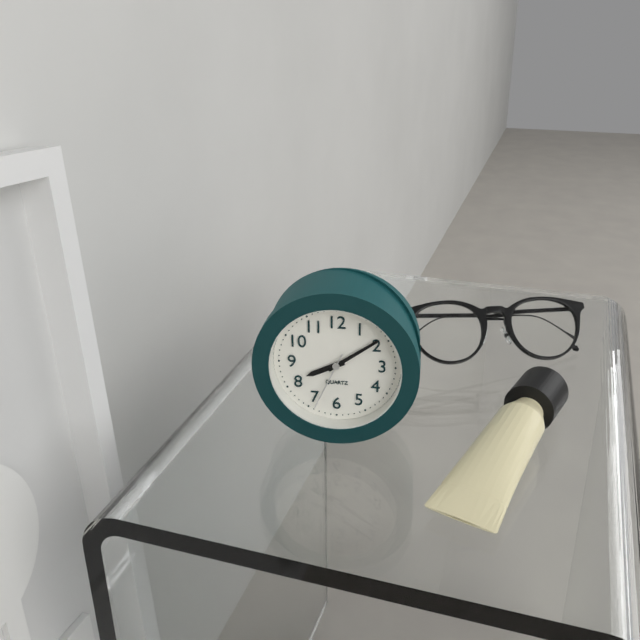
{"hour": 8, "minute": 9, "second": 34}
